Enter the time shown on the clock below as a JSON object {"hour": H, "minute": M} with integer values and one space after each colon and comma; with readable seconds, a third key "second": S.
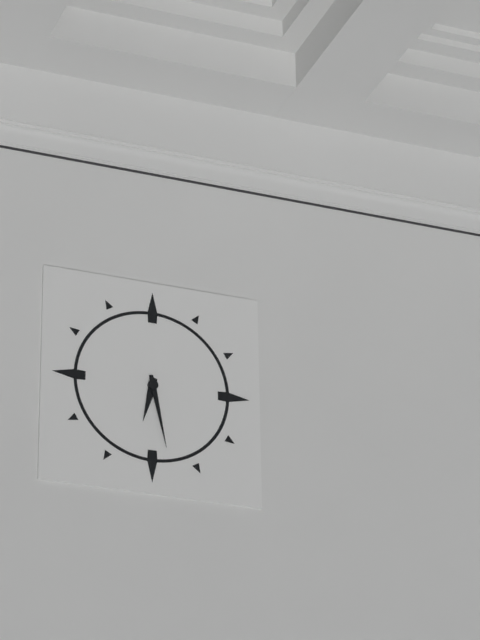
{"hour": 6, "minute": 28}
